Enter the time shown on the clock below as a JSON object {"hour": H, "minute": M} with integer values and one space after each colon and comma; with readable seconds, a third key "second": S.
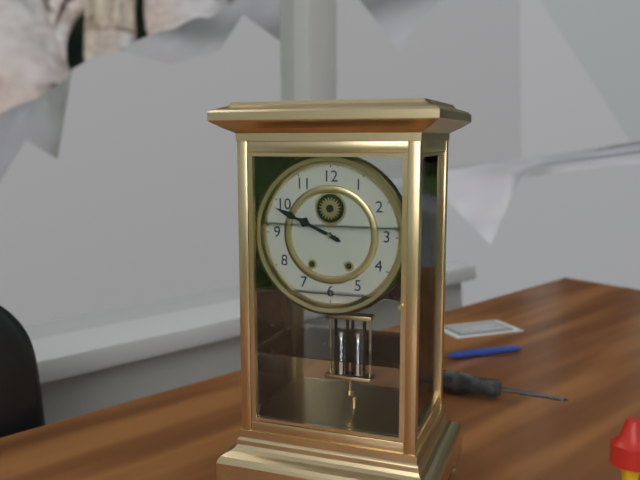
{"hour": 9, "minute": 49}
